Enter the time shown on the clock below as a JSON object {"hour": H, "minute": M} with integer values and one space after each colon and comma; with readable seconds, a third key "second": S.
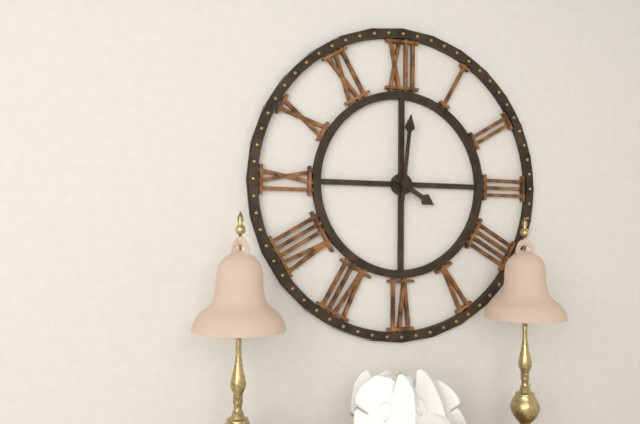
{"hour": 4, "minute": 1}
